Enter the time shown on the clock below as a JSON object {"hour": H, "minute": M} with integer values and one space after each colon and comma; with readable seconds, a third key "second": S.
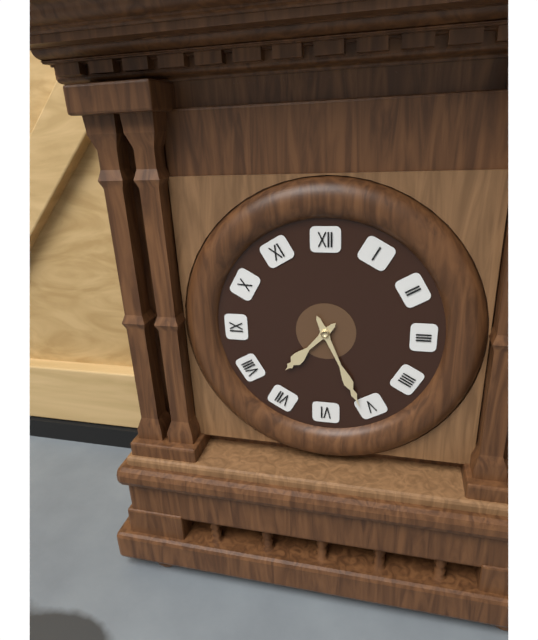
{"hour": 7, "minute": 26}
